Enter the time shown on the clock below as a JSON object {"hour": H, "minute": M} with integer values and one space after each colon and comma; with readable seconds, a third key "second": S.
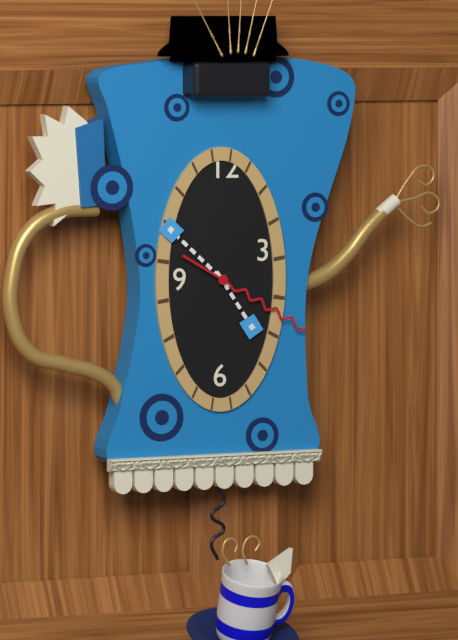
{"hour": 4, "minute": 52, "second": 20}
